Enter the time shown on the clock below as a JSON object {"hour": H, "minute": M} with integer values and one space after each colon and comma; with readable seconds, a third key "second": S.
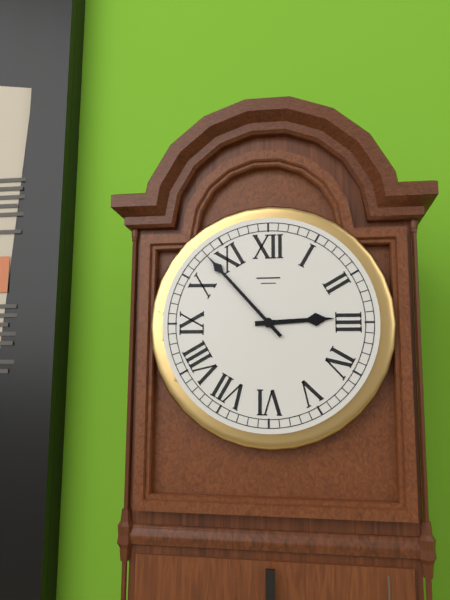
{"hour": 2, "minute": 53}
